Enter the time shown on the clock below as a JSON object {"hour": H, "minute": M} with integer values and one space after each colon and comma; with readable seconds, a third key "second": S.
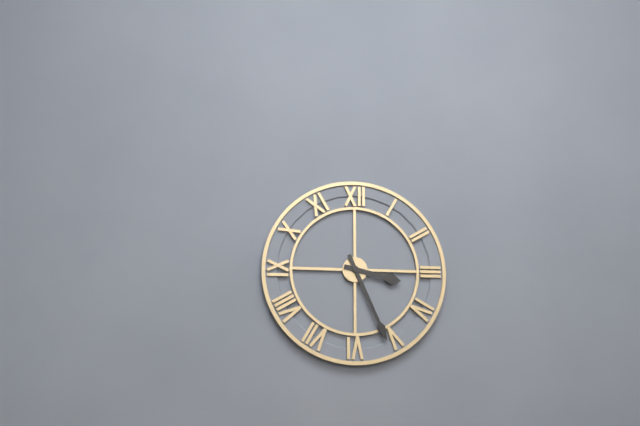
{"hour": 3, "minute": 26}
